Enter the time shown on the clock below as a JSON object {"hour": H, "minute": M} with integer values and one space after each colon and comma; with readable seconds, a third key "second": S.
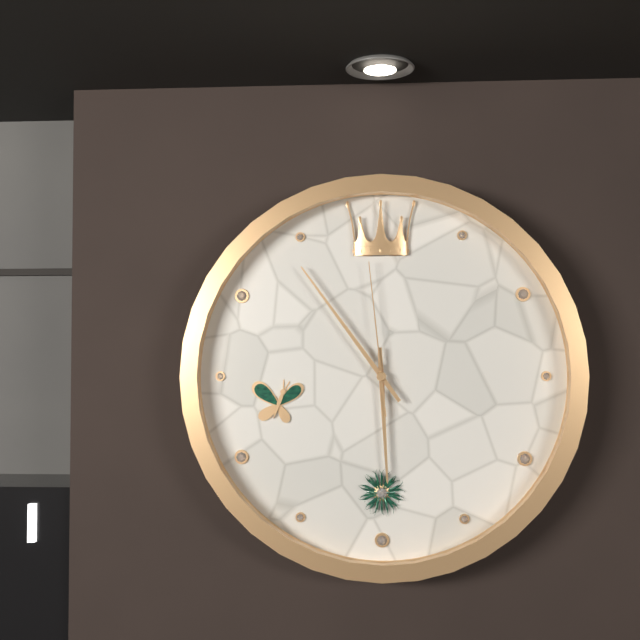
{"hour": 5, "minute": 54, "second": 59}
